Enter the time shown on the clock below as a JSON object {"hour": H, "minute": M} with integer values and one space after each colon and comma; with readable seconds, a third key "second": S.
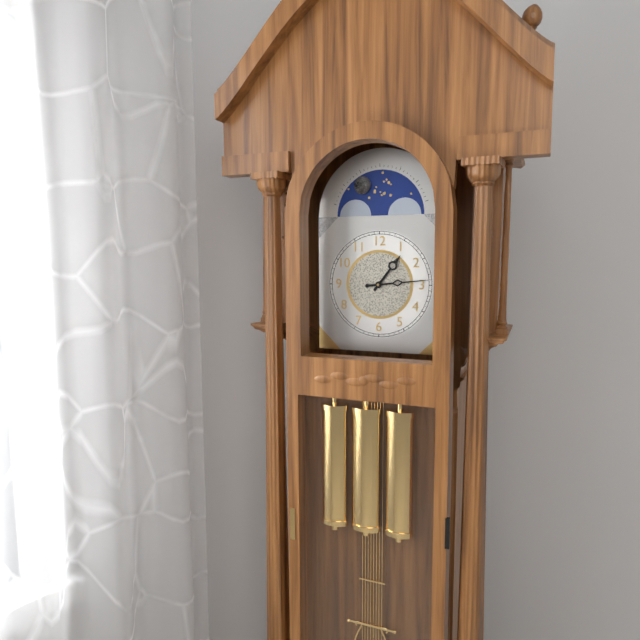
{"hour": 1, "minute": 14}
